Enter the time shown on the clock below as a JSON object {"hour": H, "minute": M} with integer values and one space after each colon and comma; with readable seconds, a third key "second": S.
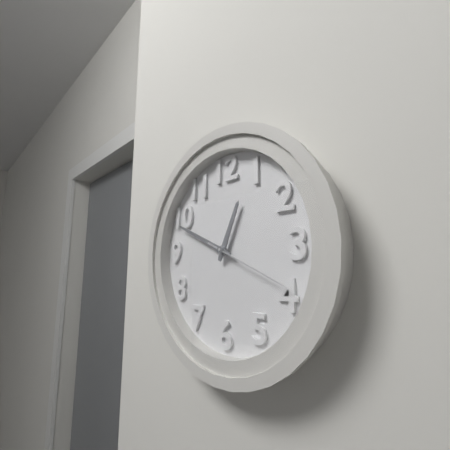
{"hour": 12, "minute": 49, "second": 19}
